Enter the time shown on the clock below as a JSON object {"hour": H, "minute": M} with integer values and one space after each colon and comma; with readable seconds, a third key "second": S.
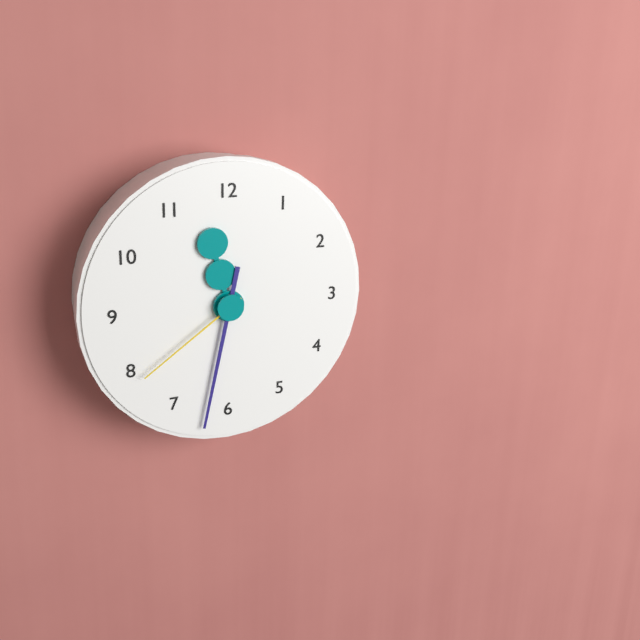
{"hour": 11, "minute": 32, "second": 39}
